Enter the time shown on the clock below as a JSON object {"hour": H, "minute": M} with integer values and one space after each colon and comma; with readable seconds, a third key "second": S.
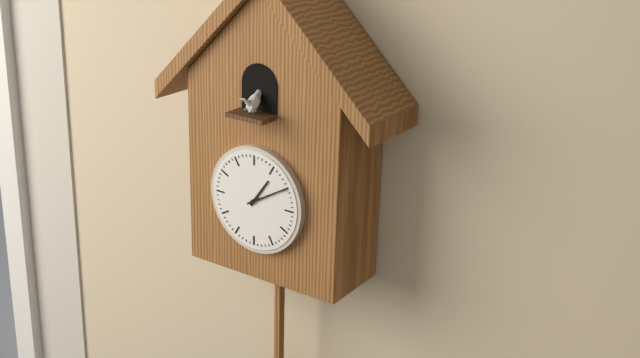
{"hour": 1, "minute": 10}
